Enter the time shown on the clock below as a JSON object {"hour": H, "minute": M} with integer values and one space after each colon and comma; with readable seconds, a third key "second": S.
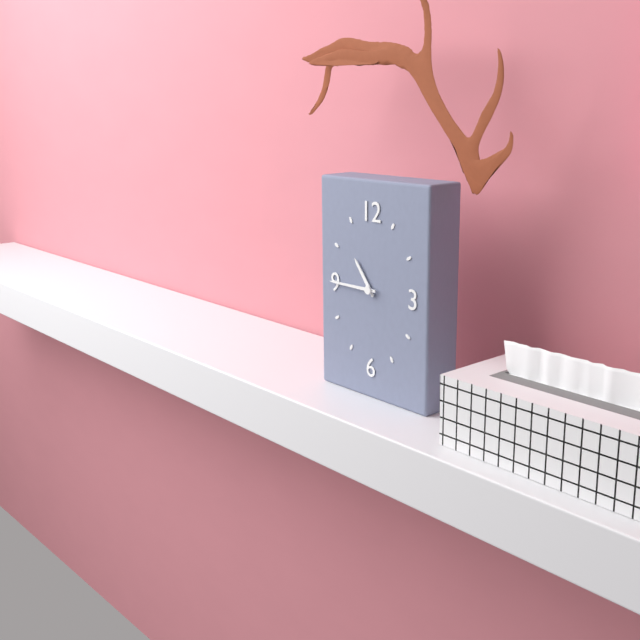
{"hour": 10, "minute": 45}
